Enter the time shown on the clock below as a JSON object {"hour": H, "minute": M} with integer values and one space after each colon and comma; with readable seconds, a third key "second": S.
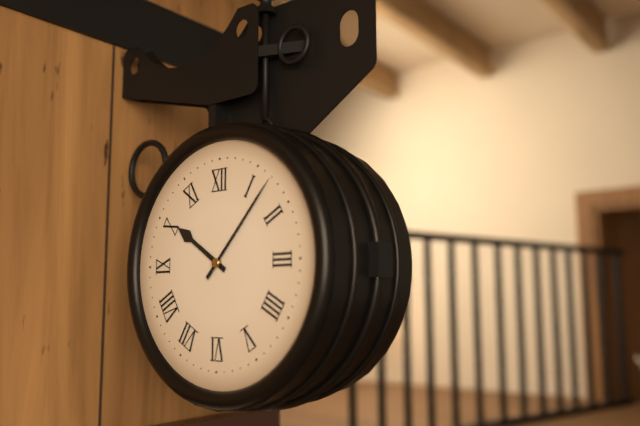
{"hour": 10, "minute": 7}
